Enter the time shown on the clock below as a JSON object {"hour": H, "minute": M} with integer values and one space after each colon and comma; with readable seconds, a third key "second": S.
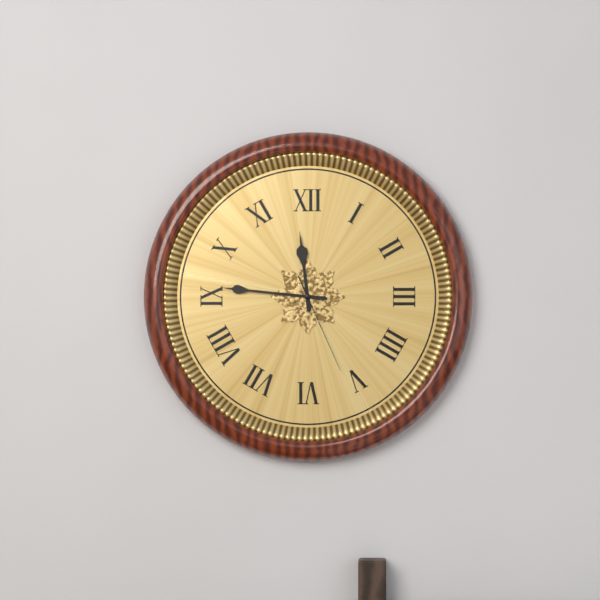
{"hour": 11, "minute": 46, "second": 26}
